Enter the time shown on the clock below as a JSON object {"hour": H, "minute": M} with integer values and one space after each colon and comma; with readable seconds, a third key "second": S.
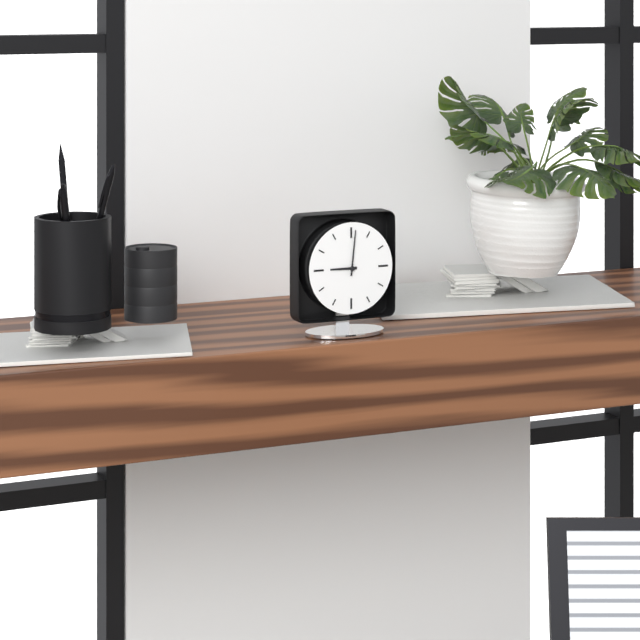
{"hour": 9, "minute": 1}
